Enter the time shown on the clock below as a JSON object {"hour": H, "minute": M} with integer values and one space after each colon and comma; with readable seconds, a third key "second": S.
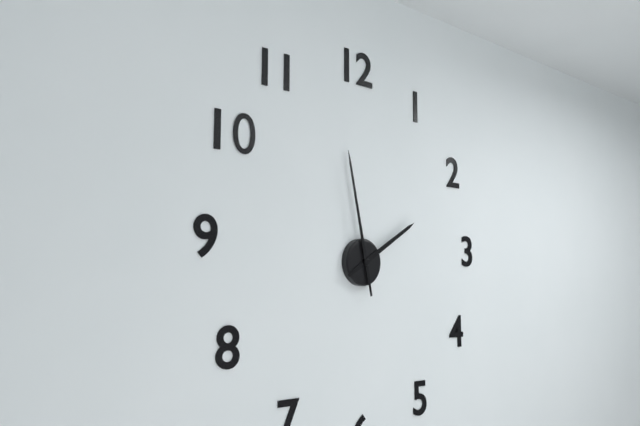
{"hour": 1, "minute": 58}
